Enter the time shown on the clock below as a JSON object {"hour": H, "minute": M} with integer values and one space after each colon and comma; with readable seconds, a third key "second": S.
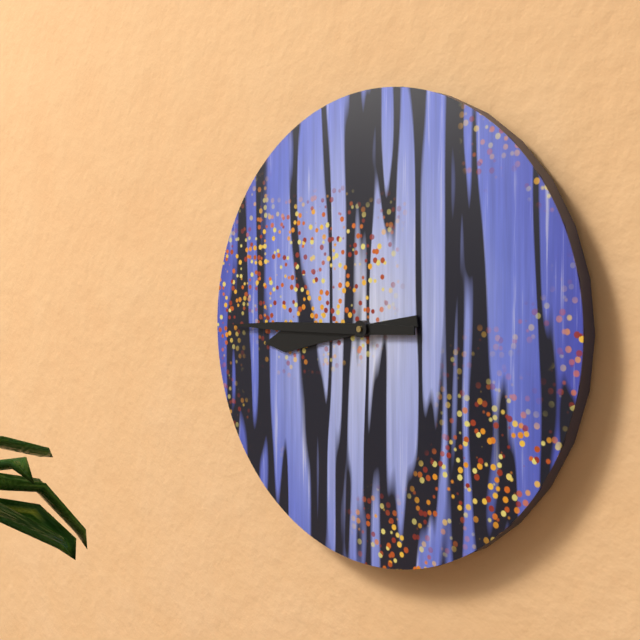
{"hour": 8, "minute": 45}
